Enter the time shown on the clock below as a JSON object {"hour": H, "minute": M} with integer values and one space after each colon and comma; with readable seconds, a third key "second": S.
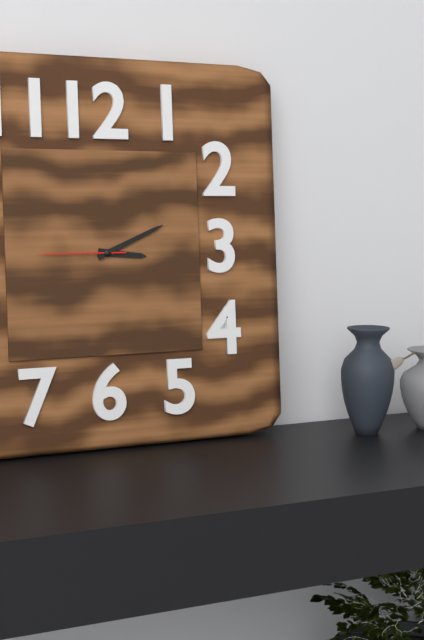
{"hour": 3, "minute": 11, "second": 45}
